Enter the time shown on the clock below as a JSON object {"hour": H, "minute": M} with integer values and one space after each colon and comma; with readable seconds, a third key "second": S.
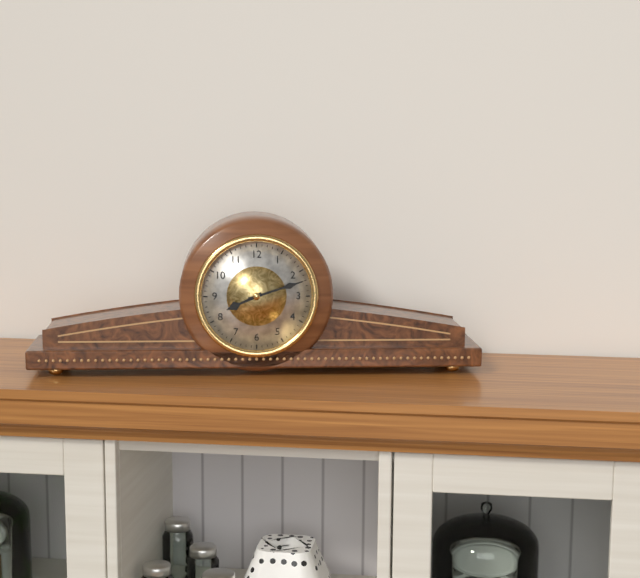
{"hour": 8, "minute": 12}
